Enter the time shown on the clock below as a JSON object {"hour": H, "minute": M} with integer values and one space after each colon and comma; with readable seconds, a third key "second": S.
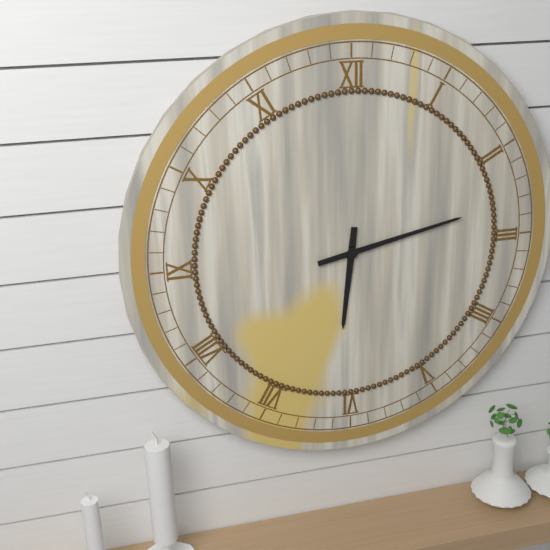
{"hour": 6, "minute": 13}
